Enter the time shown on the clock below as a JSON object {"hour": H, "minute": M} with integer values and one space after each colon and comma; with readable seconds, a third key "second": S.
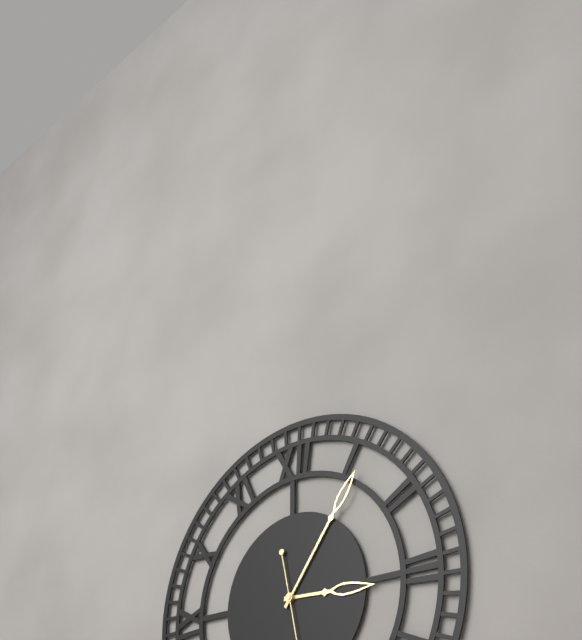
{"hour": 3, "minute": 6}
